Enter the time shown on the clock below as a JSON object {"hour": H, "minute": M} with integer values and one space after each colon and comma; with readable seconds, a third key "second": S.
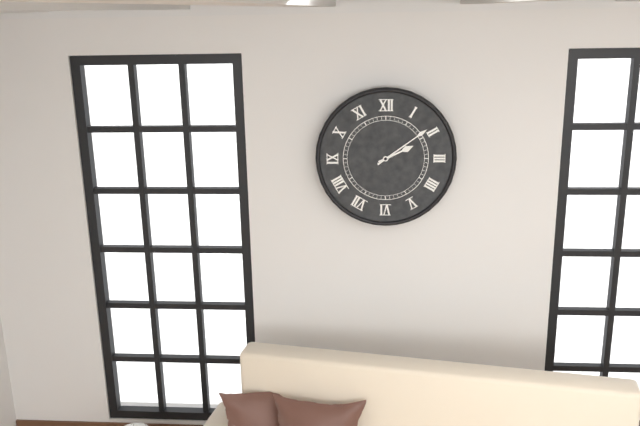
{"hour": 2, "minute": 9}
